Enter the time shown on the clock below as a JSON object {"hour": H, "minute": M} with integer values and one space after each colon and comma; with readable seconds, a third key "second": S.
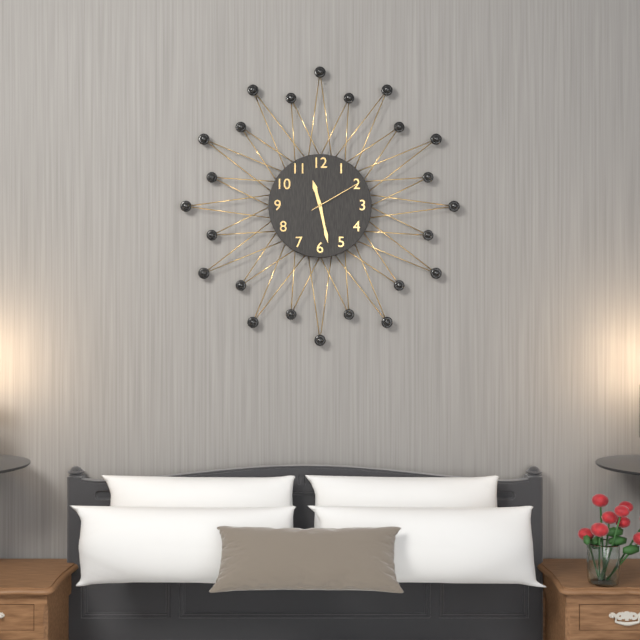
{"hour": 11, "minute": 28, "second": 10}
